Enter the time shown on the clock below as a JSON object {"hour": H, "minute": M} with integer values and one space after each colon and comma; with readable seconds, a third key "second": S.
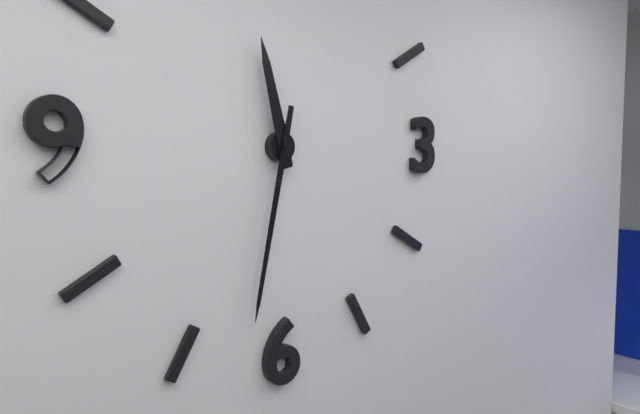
{"hour": 11, "minute": 32}
